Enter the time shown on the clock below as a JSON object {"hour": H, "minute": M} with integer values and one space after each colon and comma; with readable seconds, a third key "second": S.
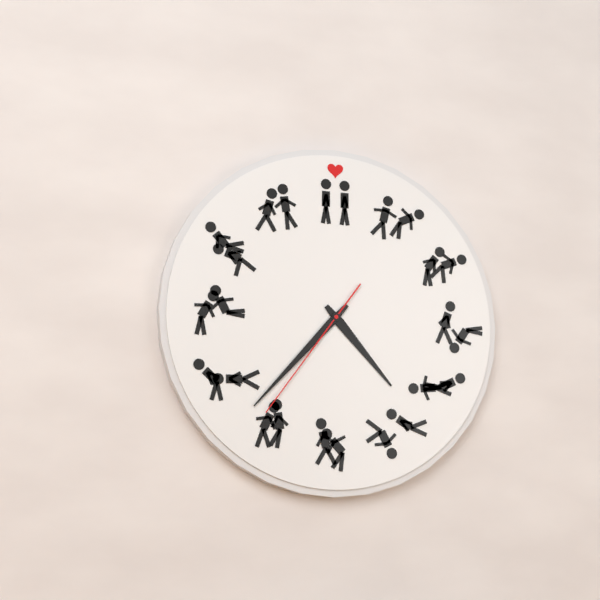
{"hour": 4, "minute": 37, "second": 36}
